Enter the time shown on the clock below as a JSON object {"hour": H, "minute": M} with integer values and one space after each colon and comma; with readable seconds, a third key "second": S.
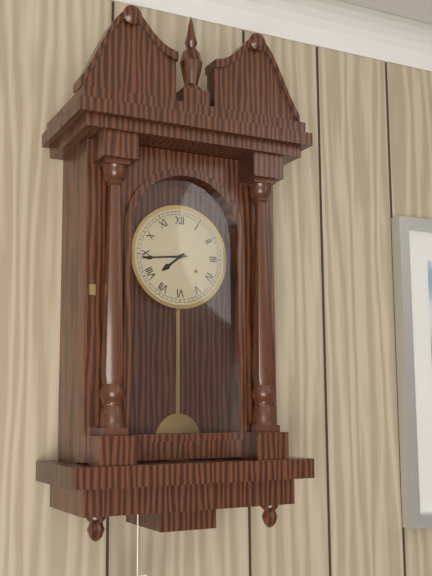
{"hour": 7, "minute": 44}
